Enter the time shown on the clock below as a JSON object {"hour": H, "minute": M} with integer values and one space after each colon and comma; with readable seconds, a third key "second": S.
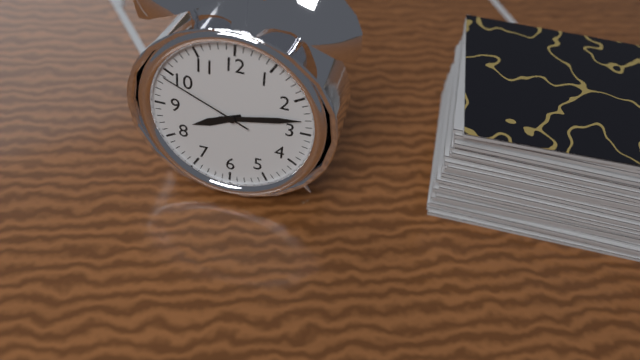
{"hour": 8, "minute": 13, "second": 49}
